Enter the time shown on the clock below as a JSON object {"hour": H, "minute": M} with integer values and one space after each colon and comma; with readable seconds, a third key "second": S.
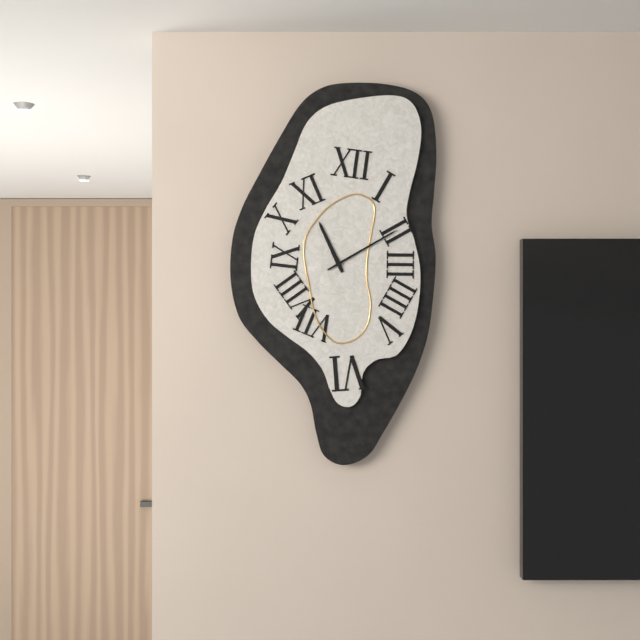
{"hour": 11, "minute": 10}
